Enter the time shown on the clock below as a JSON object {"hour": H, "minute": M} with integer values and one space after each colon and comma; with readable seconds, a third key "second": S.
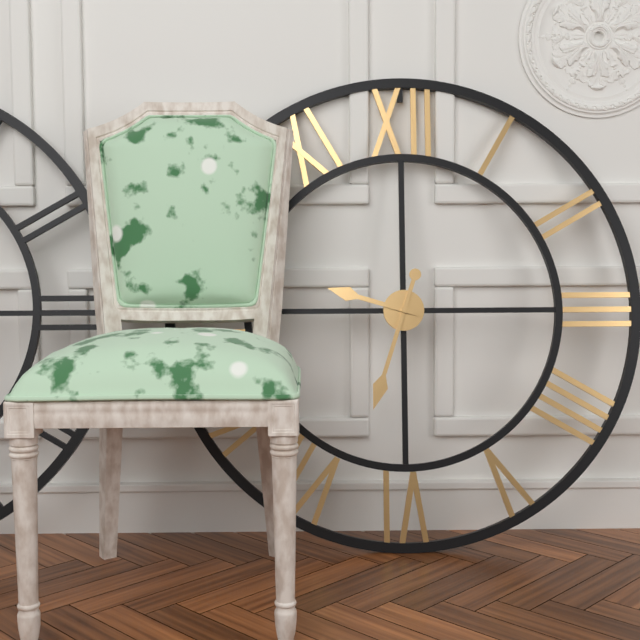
{"hour": 9, "minute": 33}
